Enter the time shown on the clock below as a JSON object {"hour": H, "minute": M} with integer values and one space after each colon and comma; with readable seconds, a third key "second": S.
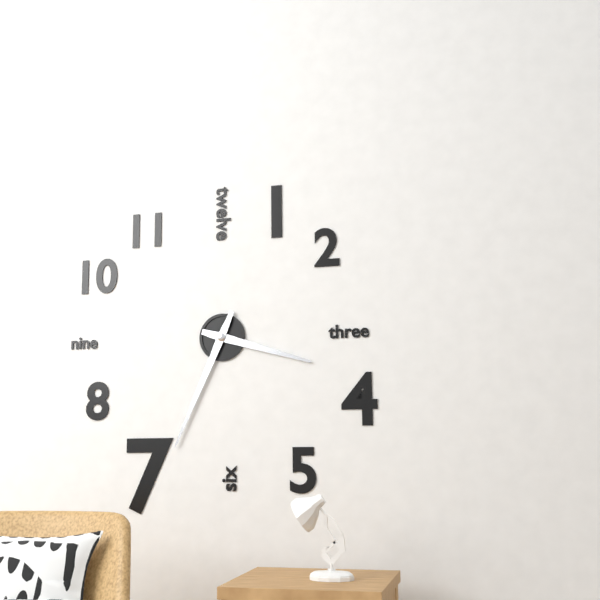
{"hour": 3, "minute": 34}
